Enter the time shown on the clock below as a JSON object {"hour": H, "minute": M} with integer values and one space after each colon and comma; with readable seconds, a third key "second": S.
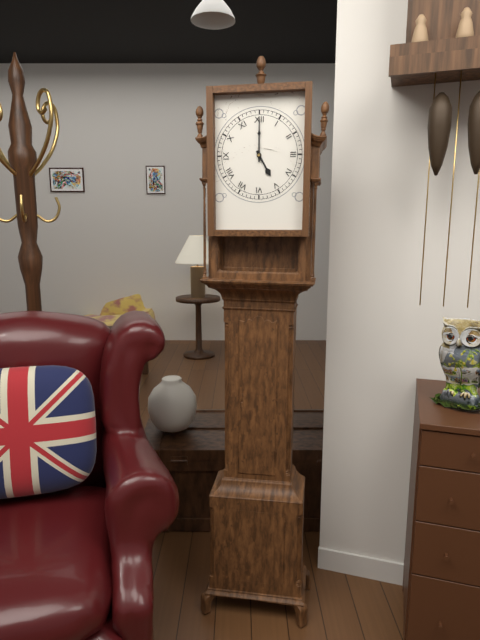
{"hour": 5, "minute": 0}
